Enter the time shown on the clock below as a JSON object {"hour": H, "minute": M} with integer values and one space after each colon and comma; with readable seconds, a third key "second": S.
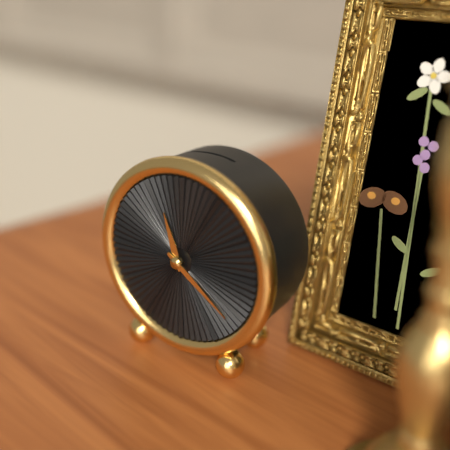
{"hour": 11, "minute": 21}
